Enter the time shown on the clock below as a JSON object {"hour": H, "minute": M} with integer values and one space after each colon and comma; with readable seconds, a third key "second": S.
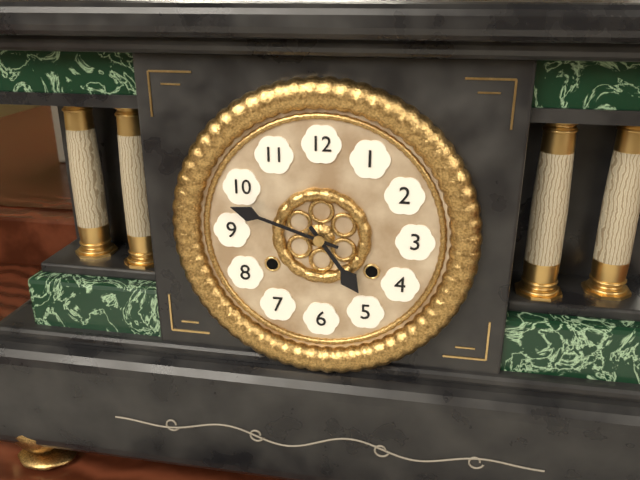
{"hour": 4, "minute": 48}
